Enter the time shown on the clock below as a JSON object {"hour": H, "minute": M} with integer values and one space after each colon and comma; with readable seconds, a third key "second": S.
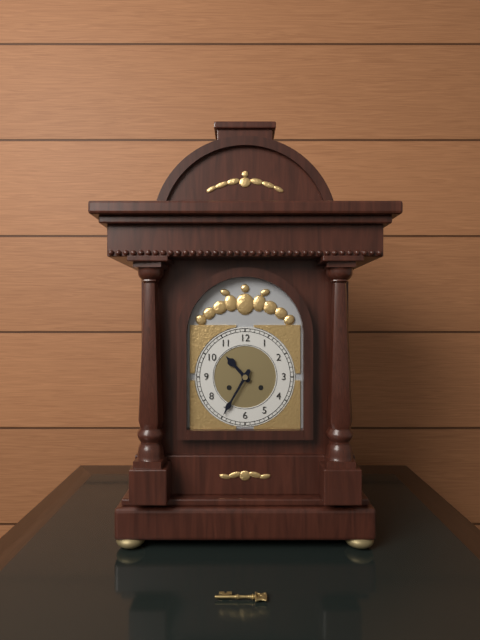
{"hour": 10, "minute": 35}
